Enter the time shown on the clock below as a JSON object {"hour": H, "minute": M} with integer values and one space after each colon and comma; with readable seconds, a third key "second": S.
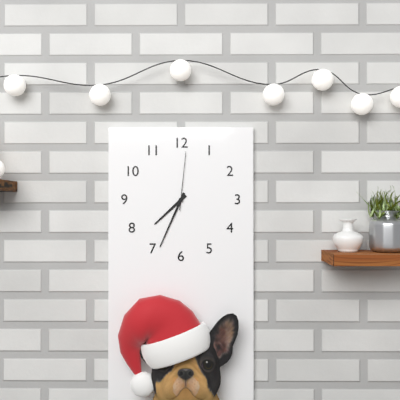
{"hour": 7, "minute": 34, "second": 1}
